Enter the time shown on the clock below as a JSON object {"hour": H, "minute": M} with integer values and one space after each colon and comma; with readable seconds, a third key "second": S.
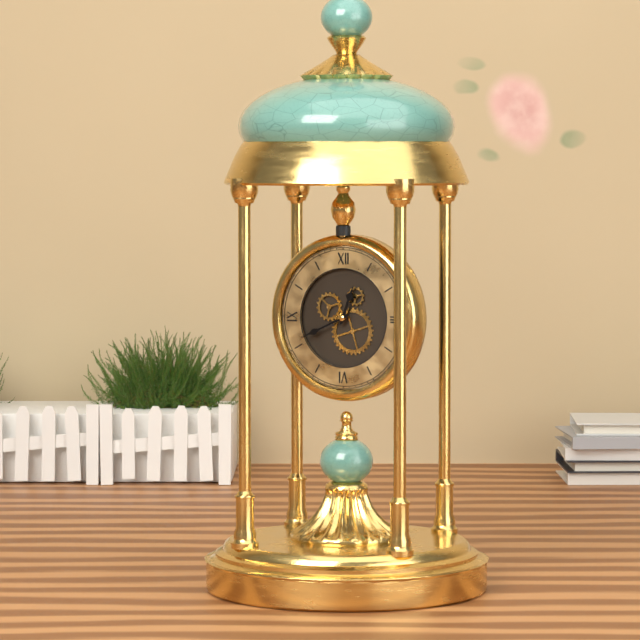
{"hour": 12, "minute": 41}
